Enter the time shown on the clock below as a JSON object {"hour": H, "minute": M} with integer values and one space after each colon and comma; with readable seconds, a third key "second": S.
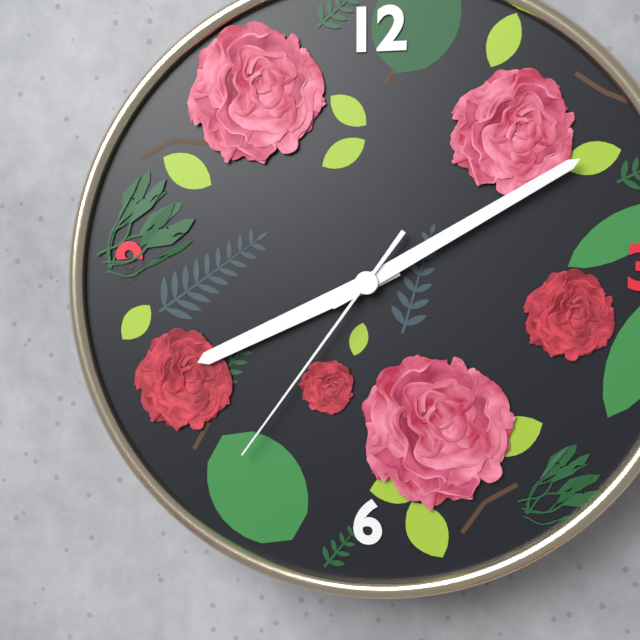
{"hour": 8, "minute": 10, "second": 36}
